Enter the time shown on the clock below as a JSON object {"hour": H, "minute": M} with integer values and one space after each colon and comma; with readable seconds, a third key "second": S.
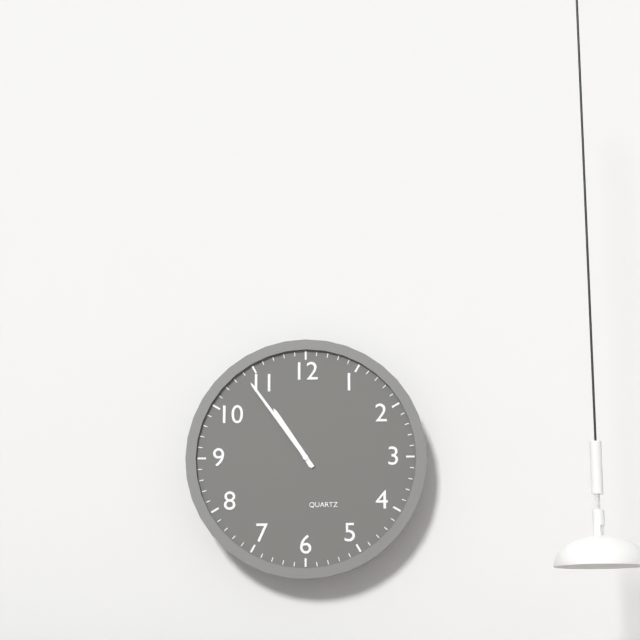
{"hour": 10, "minute": 54}
